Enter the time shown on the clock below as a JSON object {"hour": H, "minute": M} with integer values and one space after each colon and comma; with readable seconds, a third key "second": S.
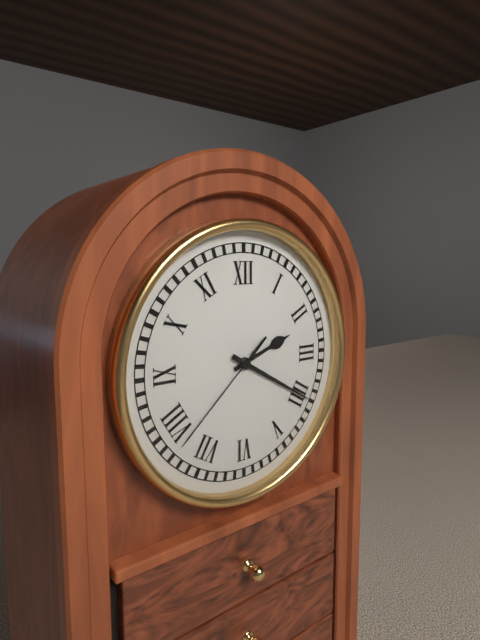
{"hour": 2, "minute": 20, "second": 38}
